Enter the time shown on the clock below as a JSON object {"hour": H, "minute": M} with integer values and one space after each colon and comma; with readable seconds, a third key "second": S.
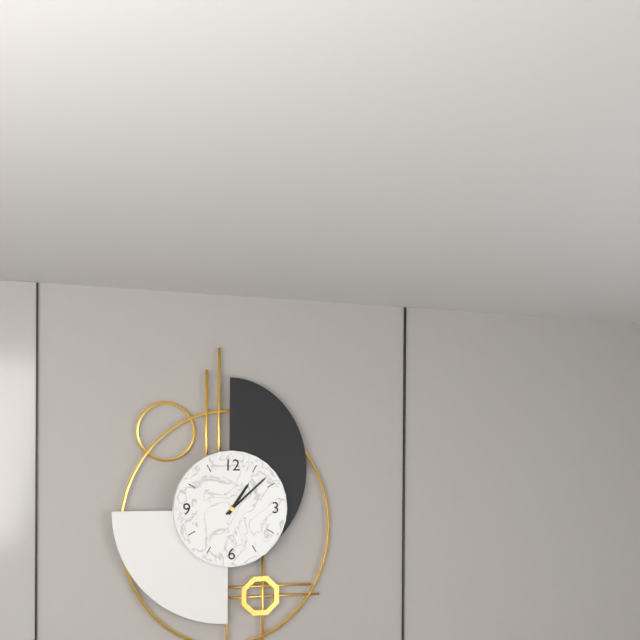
{"hour": 1, "minute": 8}
